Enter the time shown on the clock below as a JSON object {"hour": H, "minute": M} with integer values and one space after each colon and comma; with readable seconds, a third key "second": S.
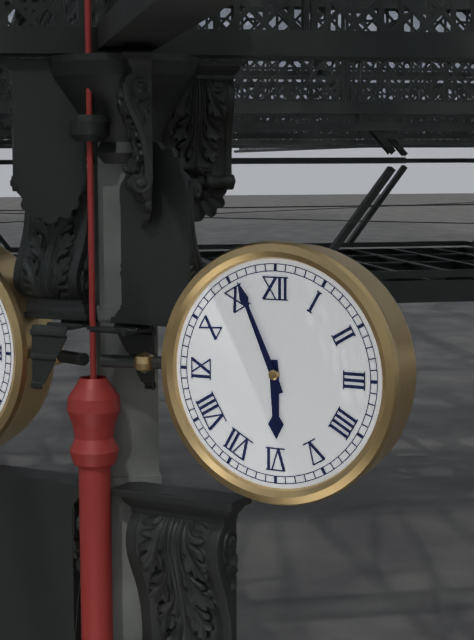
{"hour": 5, "minute": 56}
